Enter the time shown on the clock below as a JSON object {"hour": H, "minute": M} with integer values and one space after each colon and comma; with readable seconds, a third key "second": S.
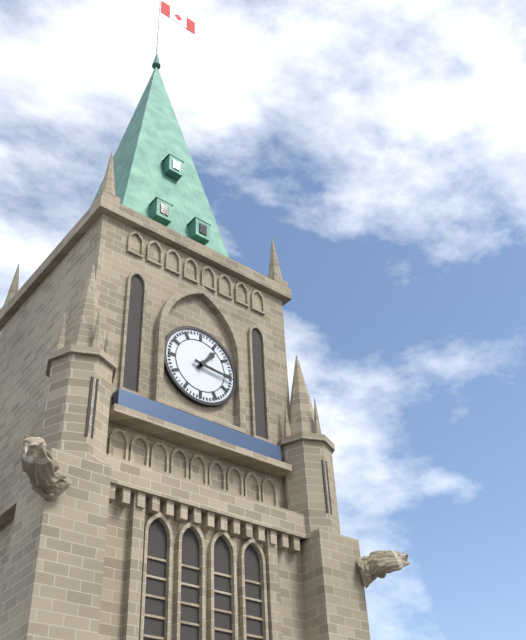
{"hour": 1, "minute": 16}
